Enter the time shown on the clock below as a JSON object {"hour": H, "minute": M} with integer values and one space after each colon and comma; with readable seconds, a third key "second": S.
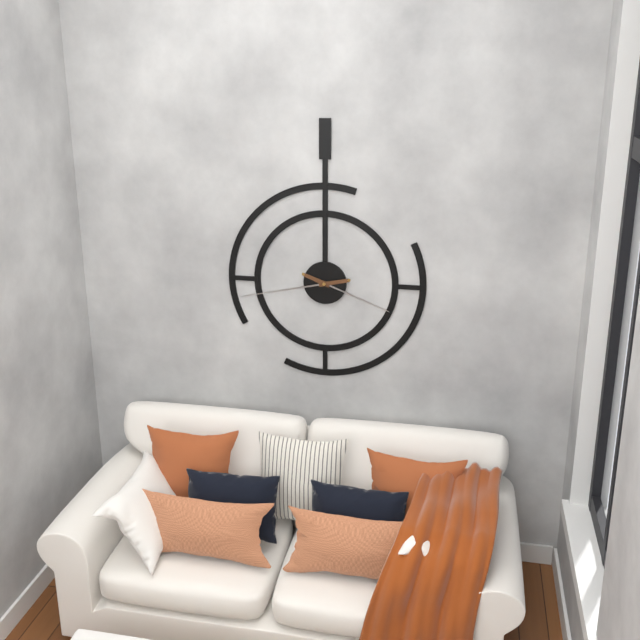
{"hour": 3, "minute": 43}
